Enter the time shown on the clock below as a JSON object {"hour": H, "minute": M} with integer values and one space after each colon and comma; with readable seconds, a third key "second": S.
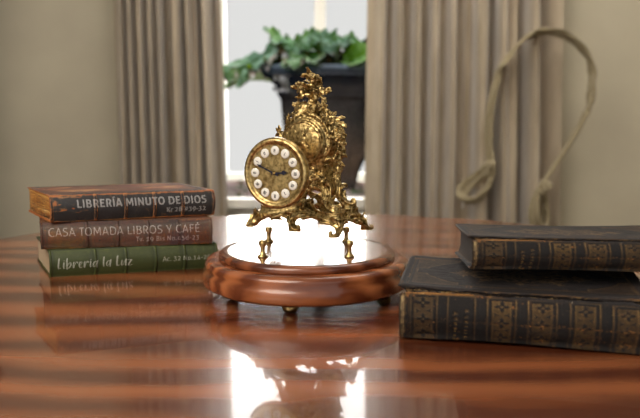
{"hour": 2, "minute": 49}
